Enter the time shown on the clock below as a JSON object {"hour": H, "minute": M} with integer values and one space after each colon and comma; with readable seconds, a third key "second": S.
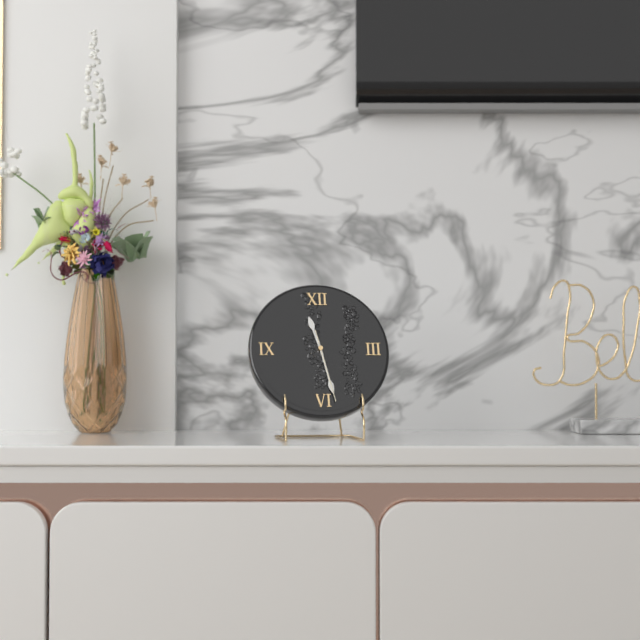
{"hour": 11, "minute": 28, "second": 28}
